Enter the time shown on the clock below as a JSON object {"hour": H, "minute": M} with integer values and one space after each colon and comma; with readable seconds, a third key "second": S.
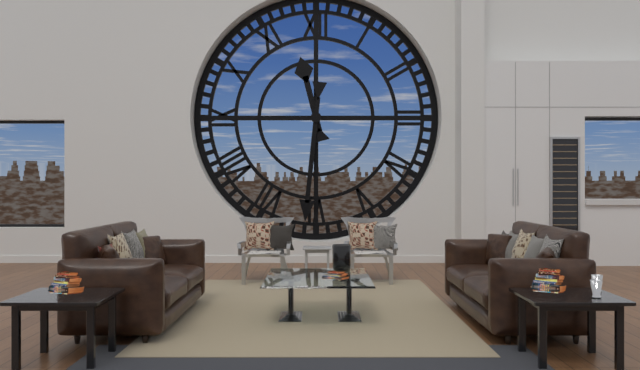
{"hour": 11, "minute": 31}
